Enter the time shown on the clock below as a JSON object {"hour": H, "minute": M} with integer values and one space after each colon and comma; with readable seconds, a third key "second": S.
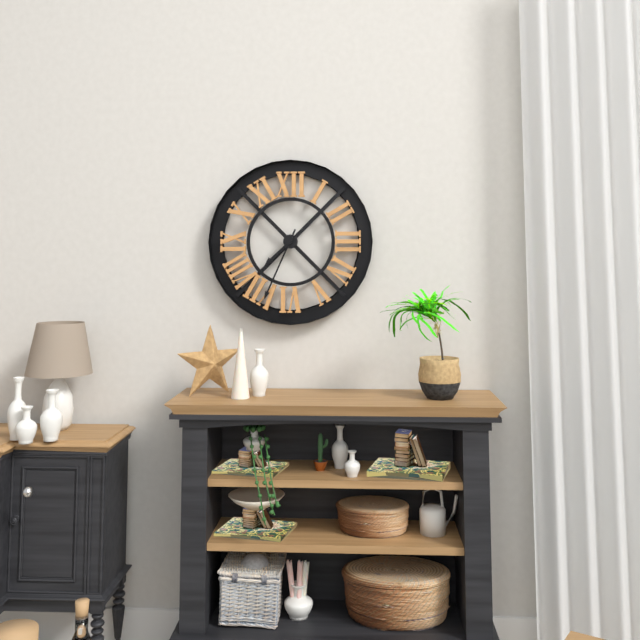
{"hour": 7, "minute": 34}
